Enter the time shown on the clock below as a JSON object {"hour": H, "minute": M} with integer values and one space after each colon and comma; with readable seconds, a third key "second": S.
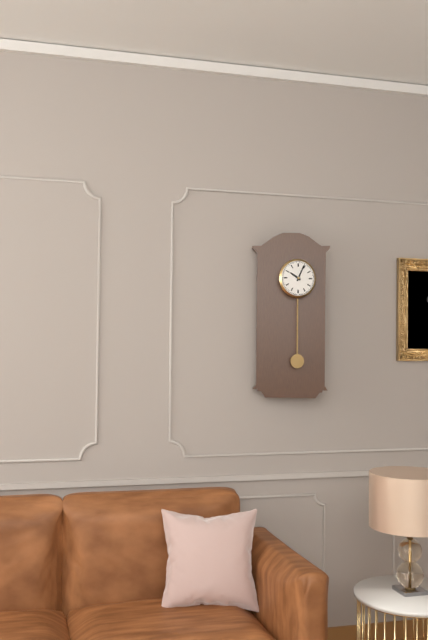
{"hour": 10, "minute": 4}
